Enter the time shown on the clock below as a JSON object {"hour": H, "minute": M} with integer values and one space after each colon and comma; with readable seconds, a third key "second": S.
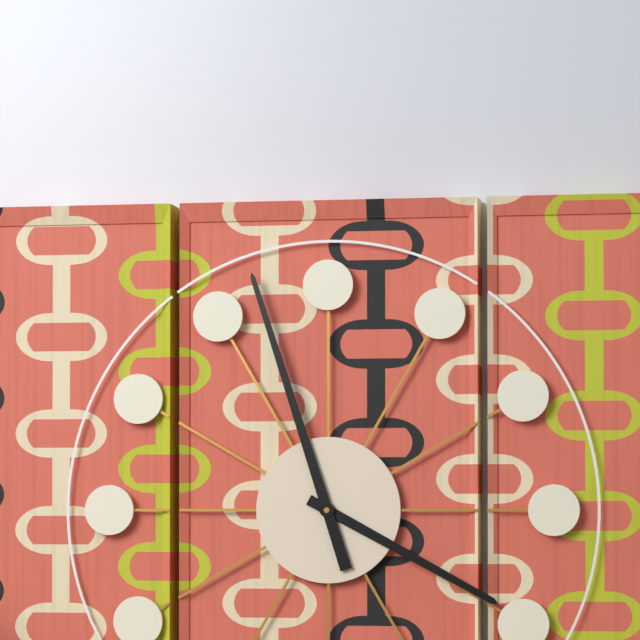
{"hour": 3, "minute": 57}
